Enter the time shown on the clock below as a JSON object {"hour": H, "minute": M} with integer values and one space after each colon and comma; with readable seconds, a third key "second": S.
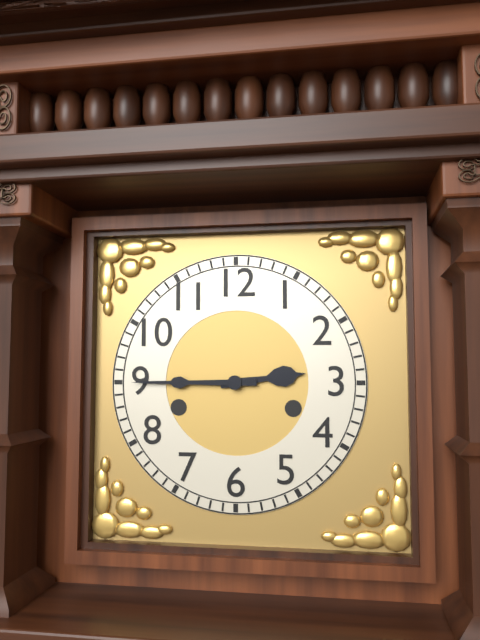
{"hour": 2, "minute": 45}
